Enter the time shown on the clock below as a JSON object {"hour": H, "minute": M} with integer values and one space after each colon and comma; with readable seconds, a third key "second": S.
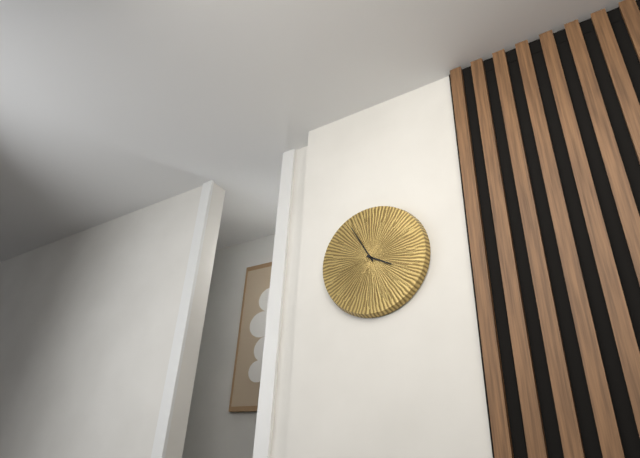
{"hour": 3, "minute": 55}
